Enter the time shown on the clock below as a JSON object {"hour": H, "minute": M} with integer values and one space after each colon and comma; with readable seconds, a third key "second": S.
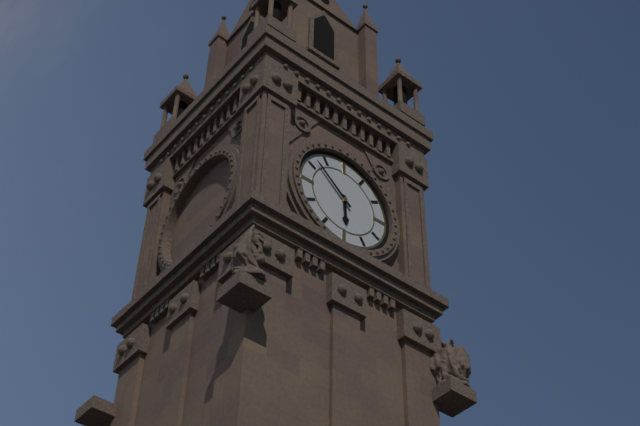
{"hour": 5, "minute": 52}
